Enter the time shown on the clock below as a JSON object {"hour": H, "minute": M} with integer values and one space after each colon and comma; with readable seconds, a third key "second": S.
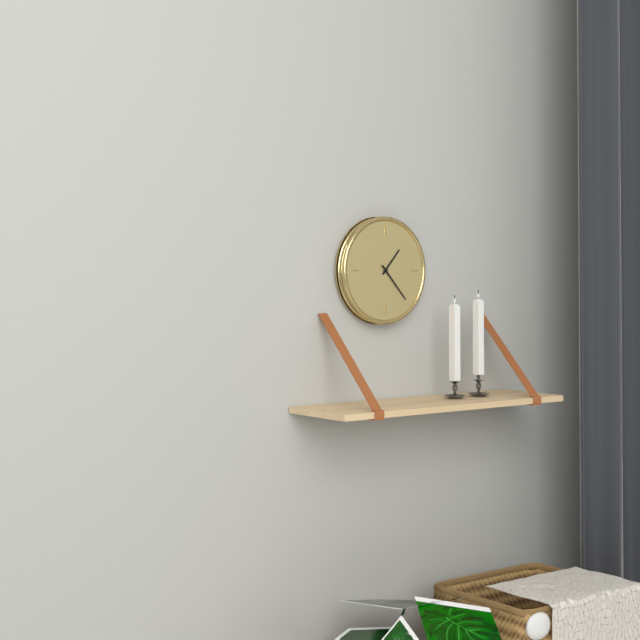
{"hour": 1, "minute": 23}
